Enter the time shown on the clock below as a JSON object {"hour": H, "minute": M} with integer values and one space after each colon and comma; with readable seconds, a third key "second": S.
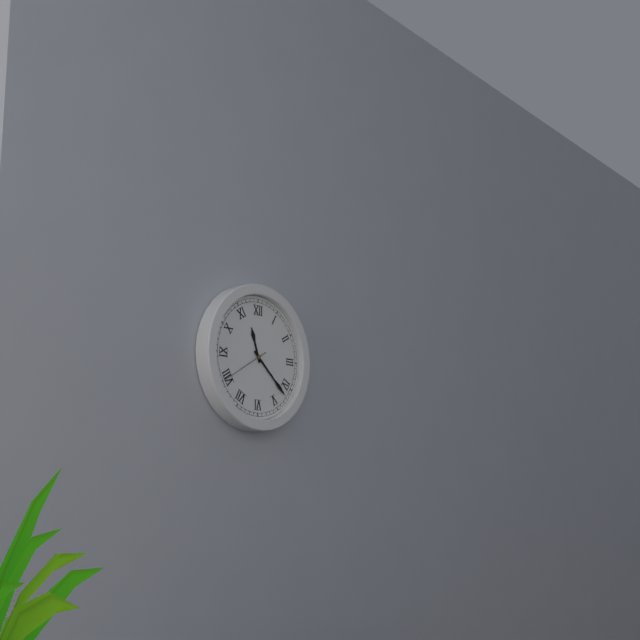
{"hour": 11, "minute": 22, "second": 40}
